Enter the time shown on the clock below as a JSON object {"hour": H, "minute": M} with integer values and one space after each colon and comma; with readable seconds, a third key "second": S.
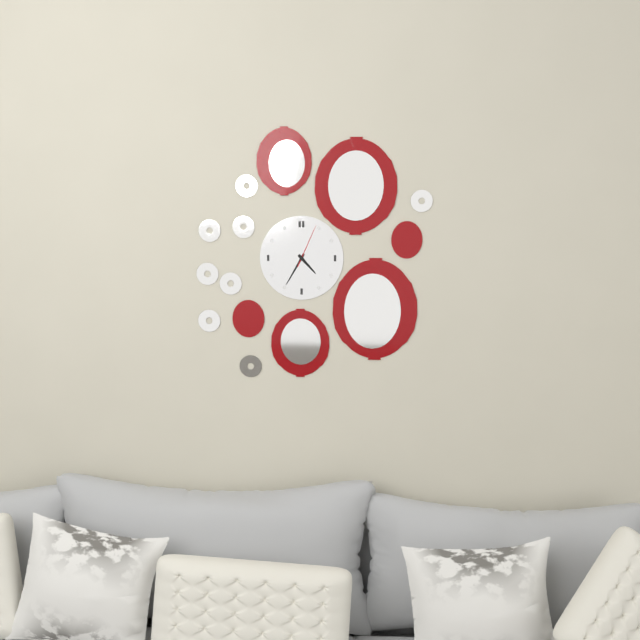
{"hour": 4, "minute": 35}
